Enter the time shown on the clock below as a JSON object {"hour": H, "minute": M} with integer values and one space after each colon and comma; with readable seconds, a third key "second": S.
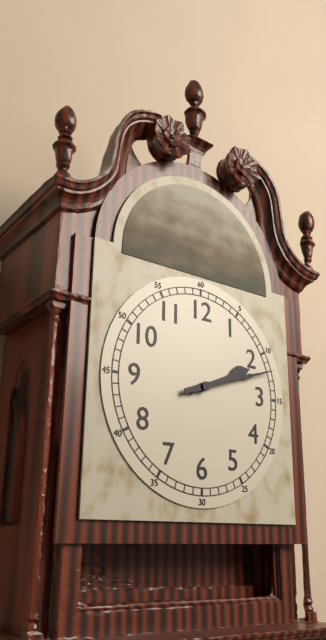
{"hour": 2, "minute": 12}
